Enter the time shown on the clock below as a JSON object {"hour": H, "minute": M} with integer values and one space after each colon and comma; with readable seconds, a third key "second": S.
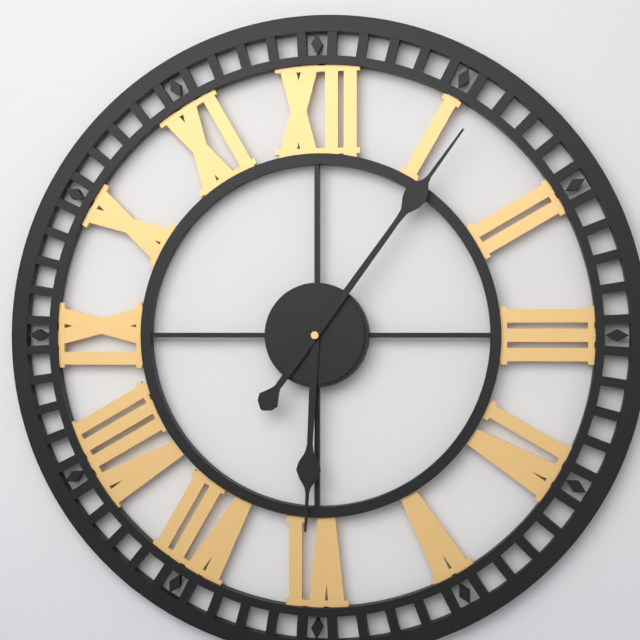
{"hour": 6, "minute": 6}
